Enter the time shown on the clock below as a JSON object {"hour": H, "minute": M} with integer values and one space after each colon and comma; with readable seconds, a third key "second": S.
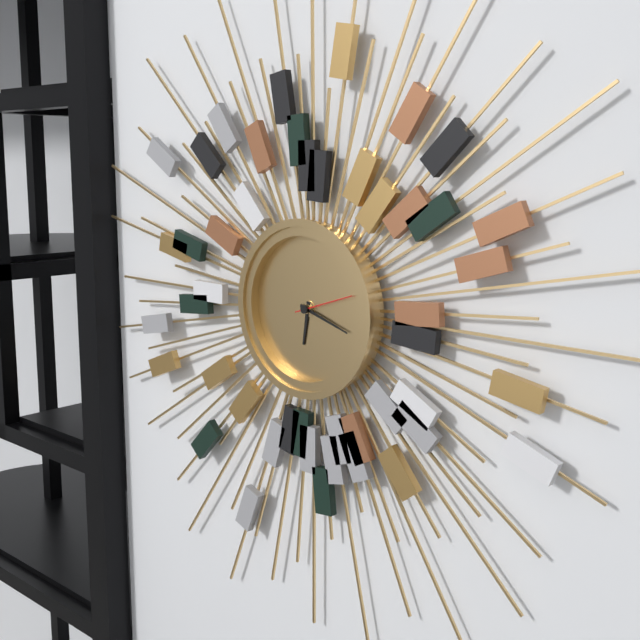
{"hour": 6, "minute": 18, "second": 12}
